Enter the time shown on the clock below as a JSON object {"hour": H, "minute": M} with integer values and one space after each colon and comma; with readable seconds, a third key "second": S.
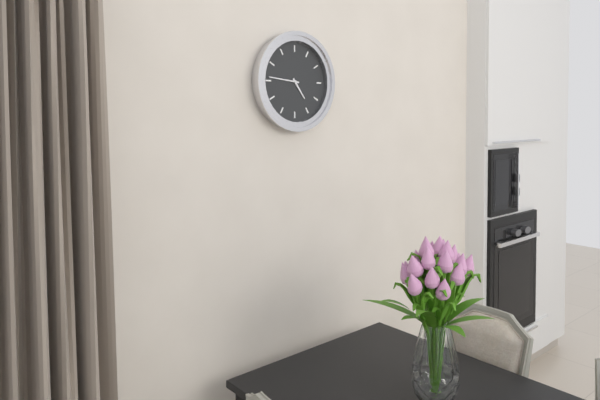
{"hour": 4, "minute": 46}
